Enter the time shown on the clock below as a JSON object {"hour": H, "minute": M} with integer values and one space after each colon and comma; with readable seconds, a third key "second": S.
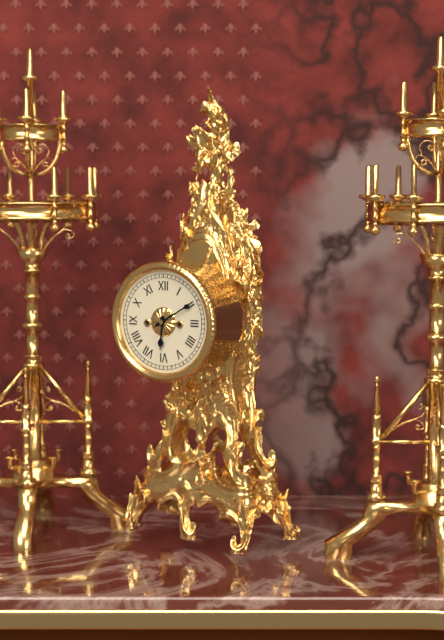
{"hour": 6, "minute": 10}
